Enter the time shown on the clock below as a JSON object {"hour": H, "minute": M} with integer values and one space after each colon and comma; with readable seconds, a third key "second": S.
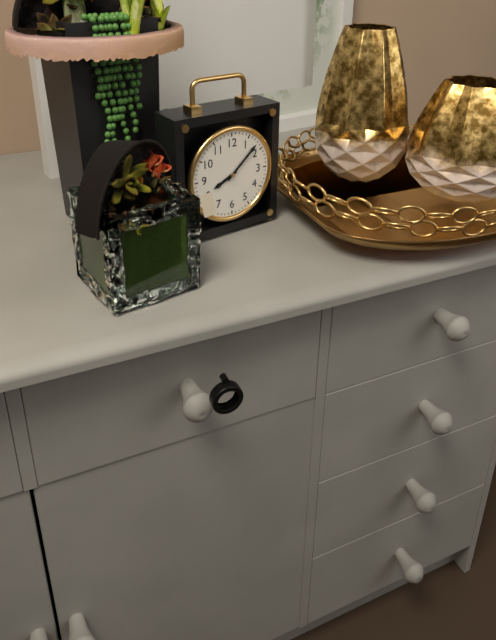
{"hour": 8, "minute": 8}
